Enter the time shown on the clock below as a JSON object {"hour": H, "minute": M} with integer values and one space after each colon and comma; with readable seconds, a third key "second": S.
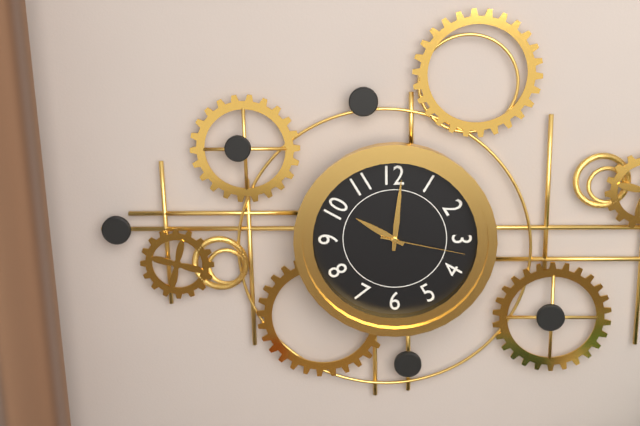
{"hour": 10, "minute": 1, "second": 17}
